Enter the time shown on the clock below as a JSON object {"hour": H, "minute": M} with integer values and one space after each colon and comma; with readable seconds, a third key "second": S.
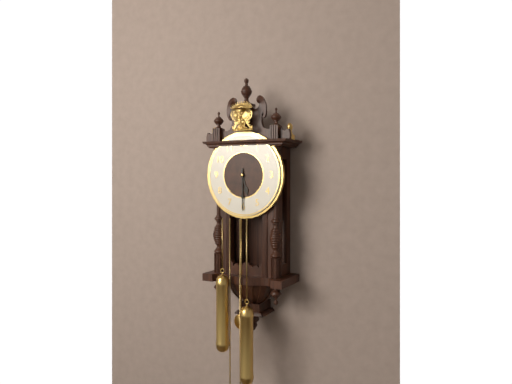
{"hour": 5, "minute": 30}
